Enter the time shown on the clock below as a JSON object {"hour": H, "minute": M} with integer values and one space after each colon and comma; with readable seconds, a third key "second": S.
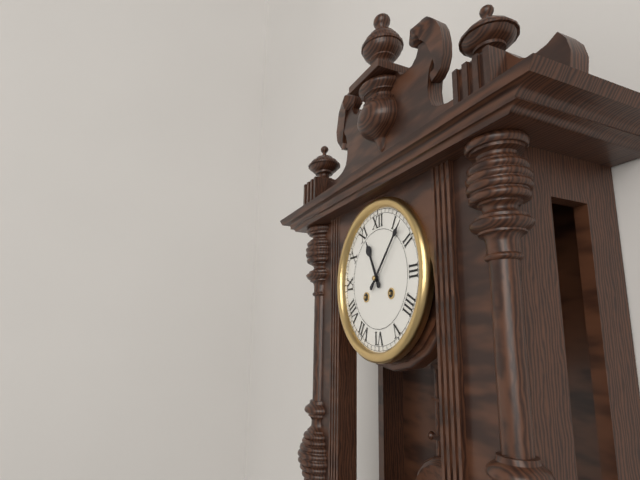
{"hour": 11, "minute": 7}
